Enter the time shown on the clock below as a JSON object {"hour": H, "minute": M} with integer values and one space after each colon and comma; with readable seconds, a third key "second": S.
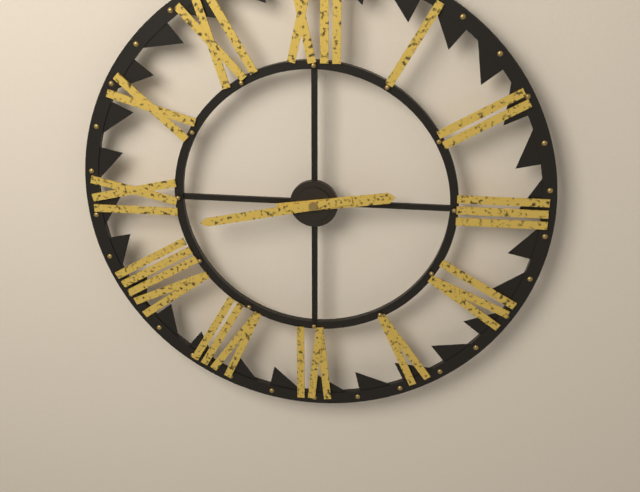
{"hour": 2, "minute": 43}
